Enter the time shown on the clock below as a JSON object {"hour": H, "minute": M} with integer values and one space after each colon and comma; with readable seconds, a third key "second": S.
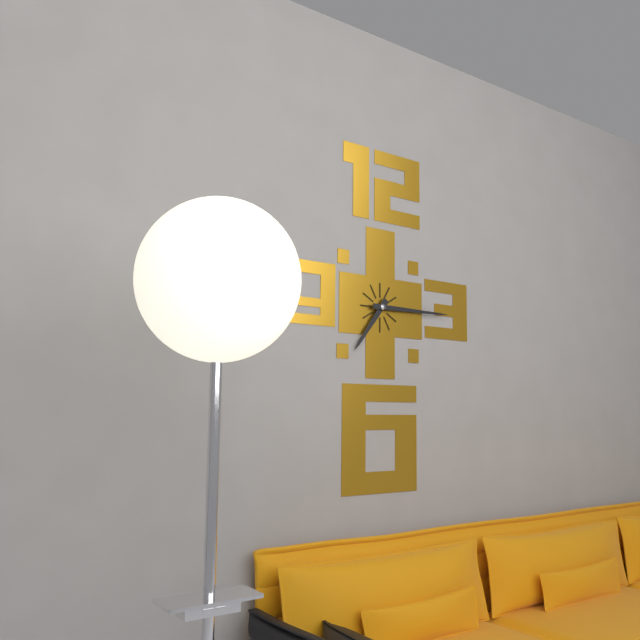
{"hour": 7, "minute": 15}
